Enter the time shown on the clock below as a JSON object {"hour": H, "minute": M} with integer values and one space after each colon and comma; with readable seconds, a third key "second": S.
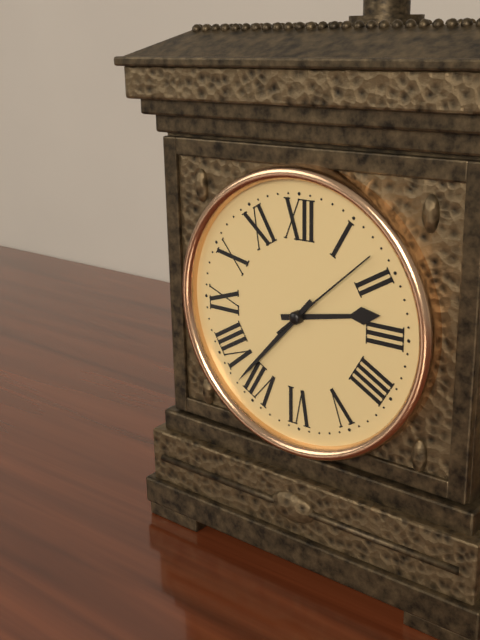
{"hour": 2, "minute": 37, "second": 8}
